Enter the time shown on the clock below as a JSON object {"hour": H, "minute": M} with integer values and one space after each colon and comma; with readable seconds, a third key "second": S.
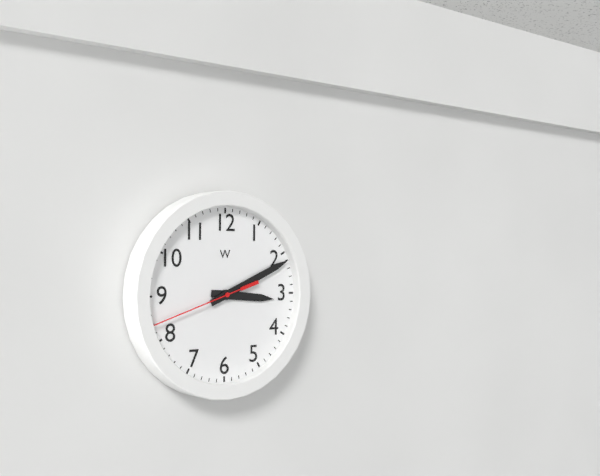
{"hour": 3, "minute": 11, "second": 42}
